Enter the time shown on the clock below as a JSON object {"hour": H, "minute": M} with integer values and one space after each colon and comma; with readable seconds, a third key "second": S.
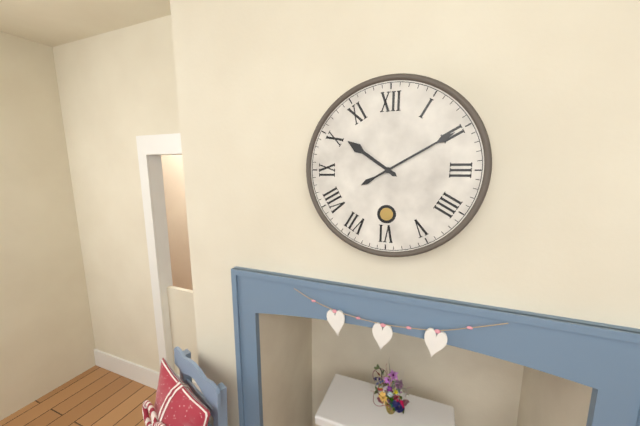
{"hour": 10, "minute": 10}
